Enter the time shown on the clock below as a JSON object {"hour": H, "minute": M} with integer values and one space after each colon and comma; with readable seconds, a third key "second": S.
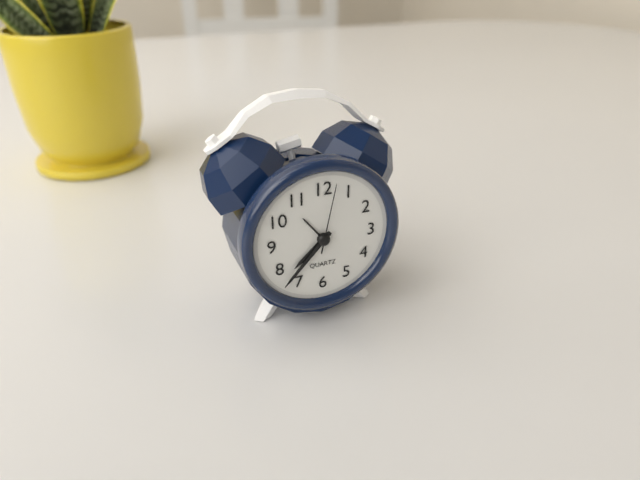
{"hour": 7, "minute": 37, "second": 2}
